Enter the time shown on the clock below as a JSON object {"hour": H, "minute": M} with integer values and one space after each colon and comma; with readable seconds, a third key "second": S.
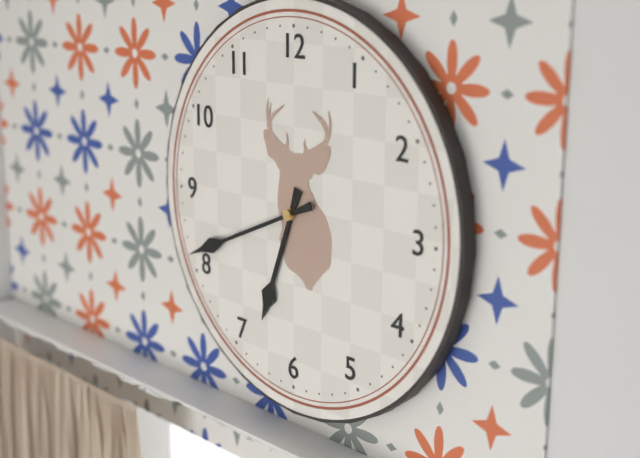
{"hour": 6, "minute": 41}
